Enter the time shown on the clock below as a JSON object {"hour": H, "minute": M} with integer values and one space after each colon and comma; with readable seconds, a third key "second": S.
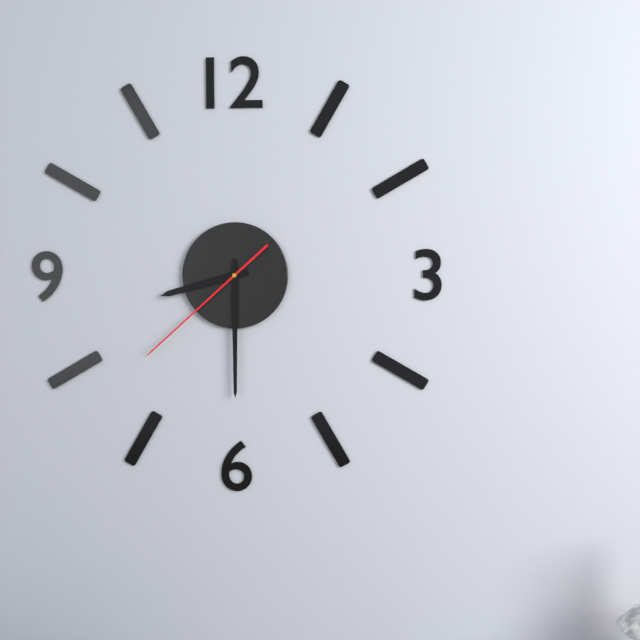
{"hour": 8, "minute": 30, "second": 38}
